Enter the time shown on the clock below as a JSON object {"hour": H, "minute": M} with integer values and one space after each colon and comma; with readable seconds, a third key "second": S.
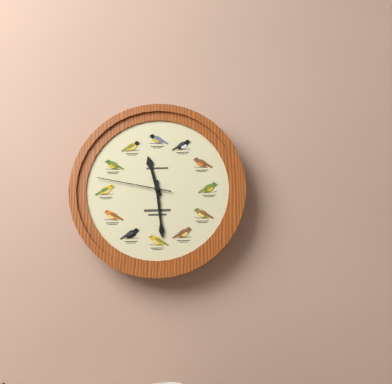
{"hour": 11, "minute": 29, "second": 47}
